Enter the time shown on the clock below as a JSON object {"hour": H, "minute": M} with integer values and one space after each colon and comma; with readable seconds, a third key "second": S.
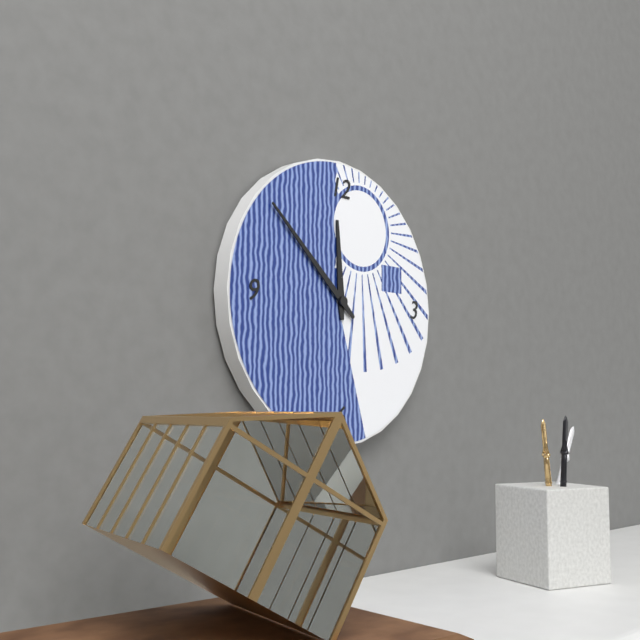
{"hour": 11, "minute": 52}
